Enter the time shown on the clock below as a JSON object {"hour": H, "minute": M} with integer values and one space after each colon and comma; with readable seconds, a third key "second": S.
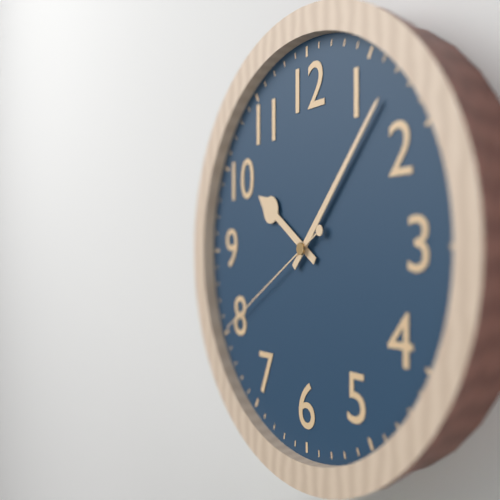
{"hour": 10, "minute": 7, "second": 40}
